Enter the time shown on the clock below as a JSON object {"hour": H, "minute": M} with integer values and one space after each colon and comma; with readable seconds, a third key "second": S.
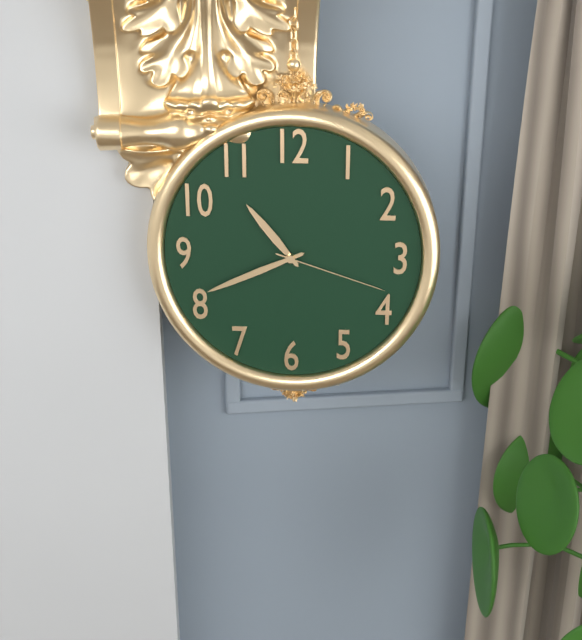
{"hour": 10, "minute": 41, "second": 18}
